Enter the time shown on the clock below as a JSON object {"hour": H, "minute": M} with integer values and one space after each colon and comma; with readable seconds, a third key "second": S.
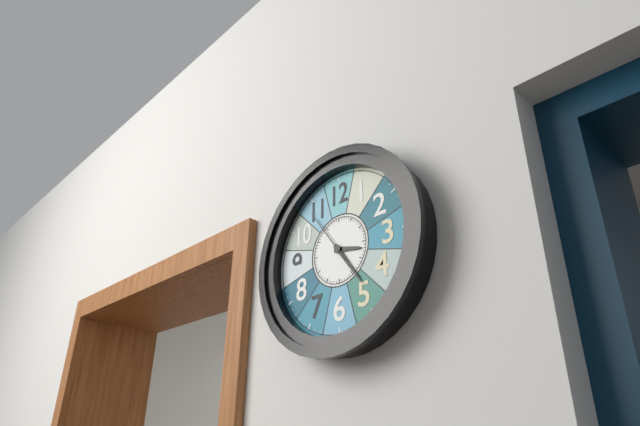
{"hour": 3, "minute": 24, "second": 54}
